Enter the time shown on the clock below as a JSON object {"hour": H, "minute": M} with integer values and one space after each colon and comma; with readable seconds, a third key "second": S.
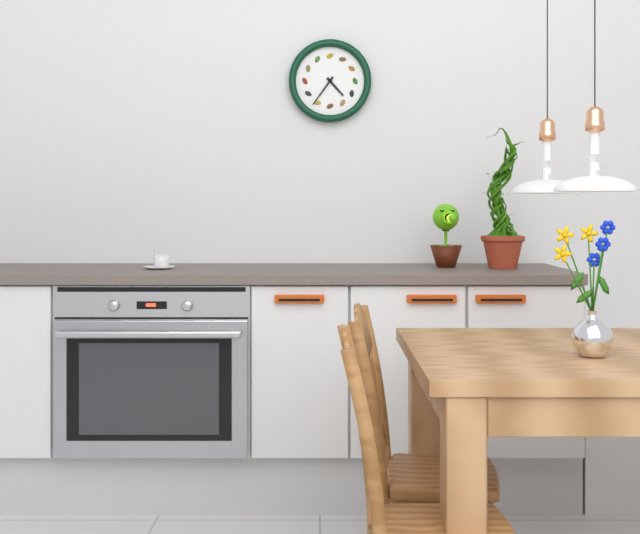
{"hour": 4, "minute": 36}
